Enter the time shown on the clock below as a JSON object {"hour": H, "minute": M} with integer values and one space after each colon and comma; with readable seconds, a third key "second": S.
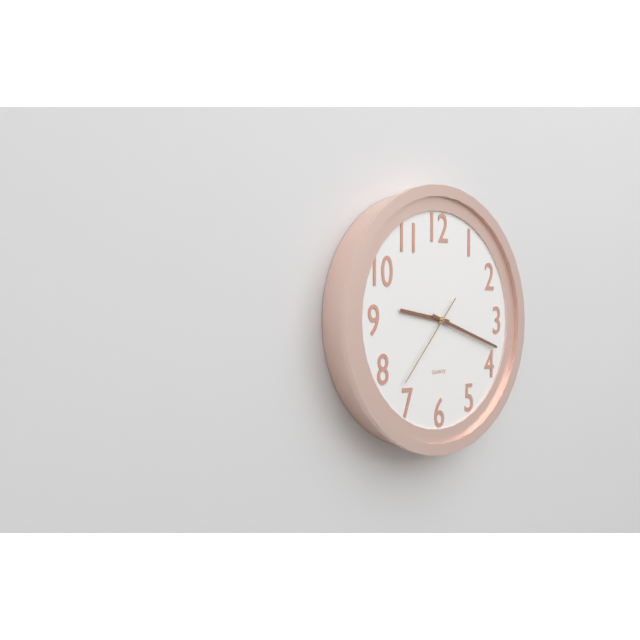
{"hour": 9, "minute": 18, "second": 37}
